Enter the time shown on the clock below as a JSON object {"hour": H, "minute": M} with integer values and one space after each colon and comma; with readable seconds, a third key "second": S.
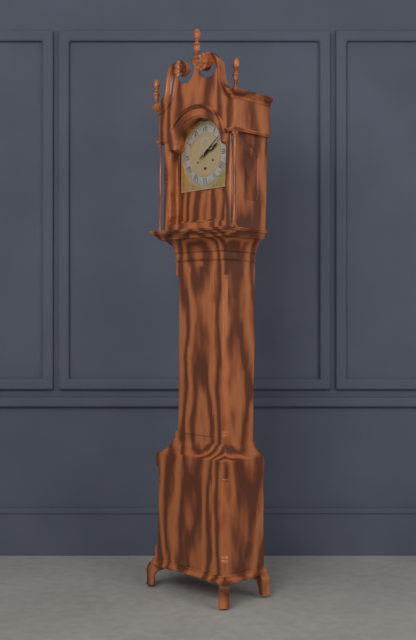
{"hour": 2, "minute": 9}
